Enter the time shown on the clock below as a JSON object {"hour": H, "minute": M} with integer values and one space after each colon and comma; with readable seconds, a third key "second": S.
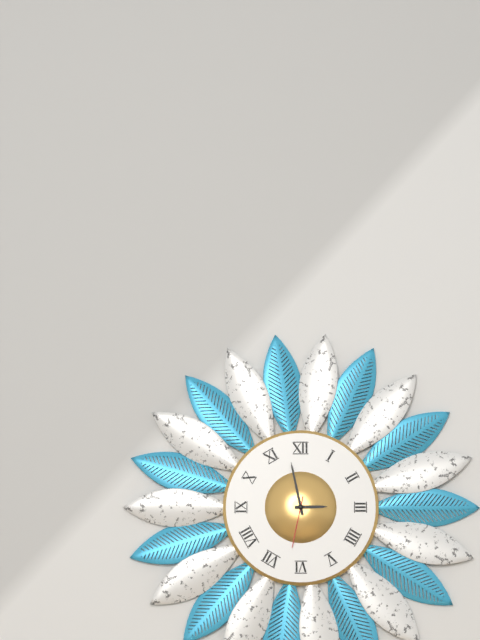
{"hour": 2, "minute": 58, "second": 32}
